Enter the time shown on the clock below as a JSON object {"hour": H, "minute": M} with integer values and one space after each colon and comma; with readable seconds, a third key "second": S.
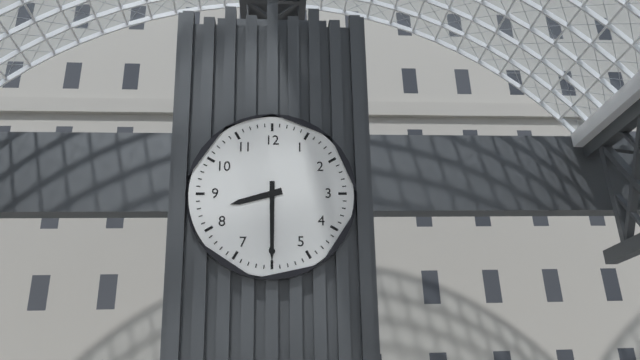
{"hour": 8, "minute": 30}
